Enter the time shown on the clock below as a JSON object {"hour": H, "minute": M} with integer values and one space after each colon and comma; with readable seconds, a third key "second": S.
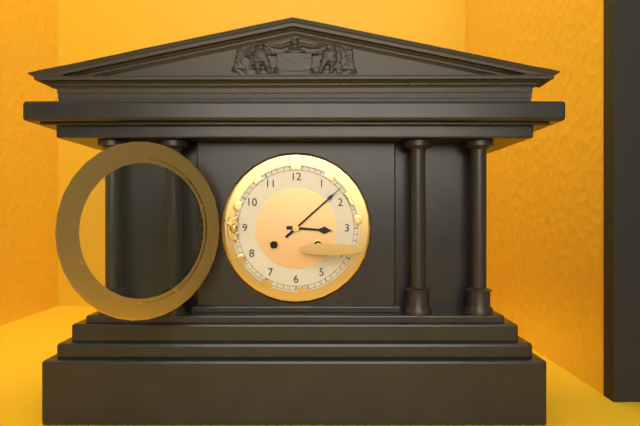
{"hour": 3, "minute": 8}
